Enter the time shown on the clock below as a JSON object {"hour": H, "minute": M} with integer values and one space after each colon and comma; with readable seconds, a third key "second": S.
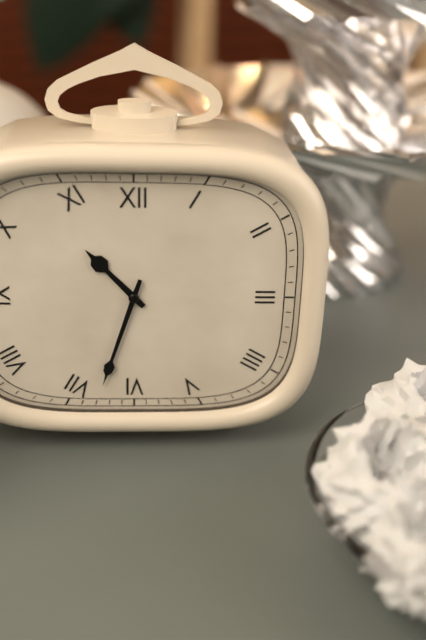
{"hour": 10, "minute": 33}
